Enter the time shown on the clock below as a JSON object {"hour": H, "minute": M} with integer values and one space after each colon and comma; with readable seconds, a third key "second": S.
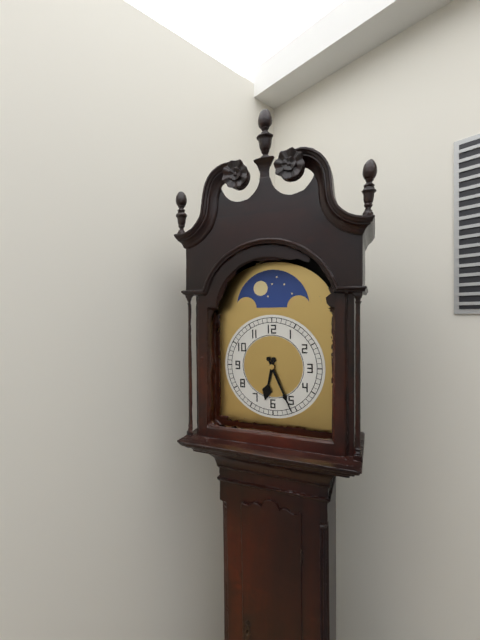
{"hour": 6, "minute": 26}
